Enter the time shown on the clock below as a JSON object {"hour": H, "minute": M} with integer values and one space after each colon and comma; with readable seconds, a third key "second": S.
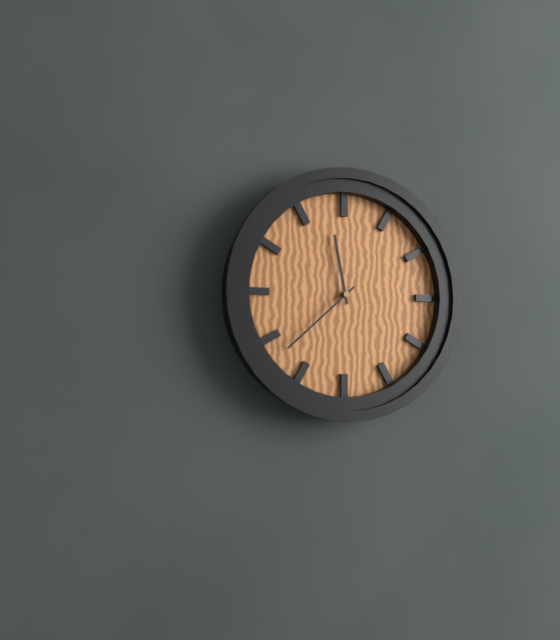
{"hour": 11, "minute": 38}
